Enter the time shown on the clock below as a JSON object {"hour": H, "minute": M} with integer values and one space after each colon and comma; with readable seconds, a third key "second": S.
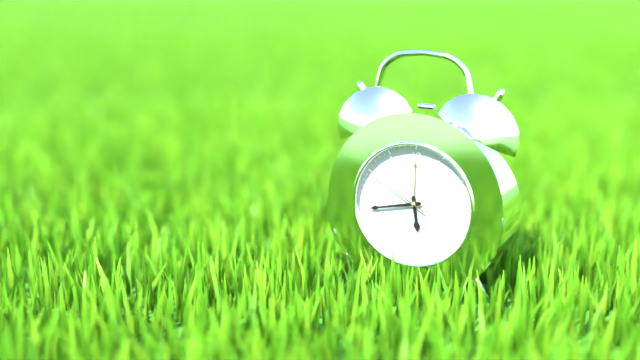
{"hour": 5, "minute": 43, "second": 50}
